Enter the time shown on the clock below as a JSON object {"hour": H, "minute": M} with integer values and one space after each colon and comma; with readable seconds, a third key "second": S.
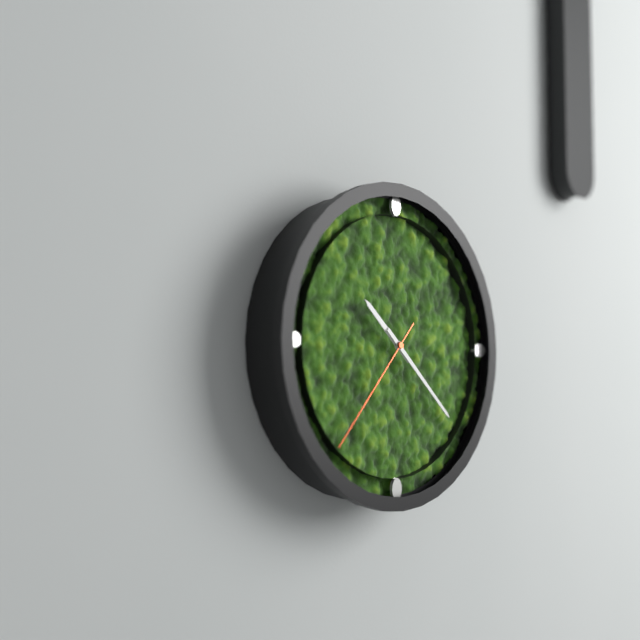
{"hour": 10, "minute": 22, "second": 37}
